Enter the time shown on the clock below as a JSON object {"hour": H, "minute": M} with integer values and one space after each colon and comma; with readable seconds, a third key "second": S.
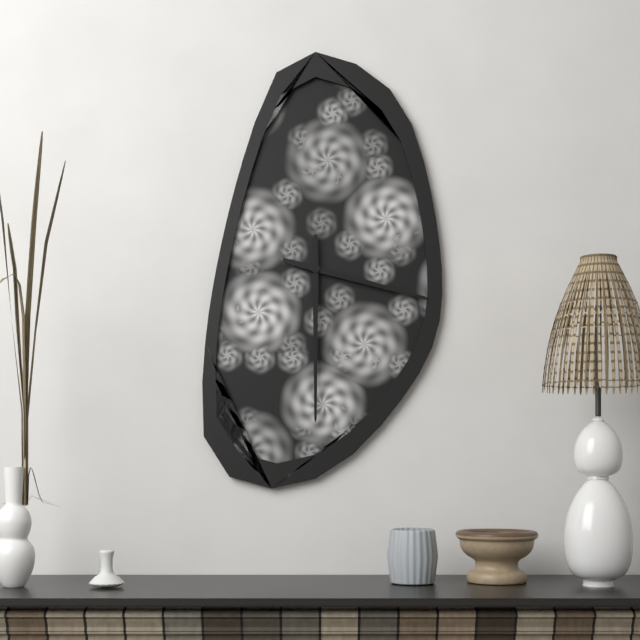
{"hour": 3, "minute": 30}
